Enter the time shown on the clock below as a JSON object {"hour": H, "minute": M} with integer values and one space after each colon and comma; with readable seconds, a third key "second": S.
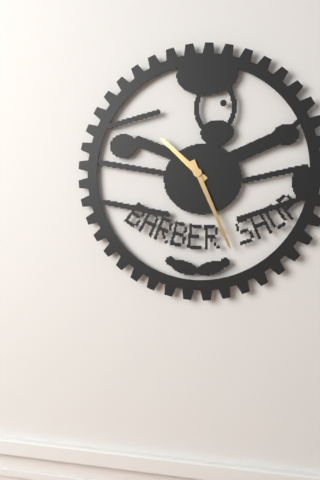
{"hour": 10, "minute": 26}
